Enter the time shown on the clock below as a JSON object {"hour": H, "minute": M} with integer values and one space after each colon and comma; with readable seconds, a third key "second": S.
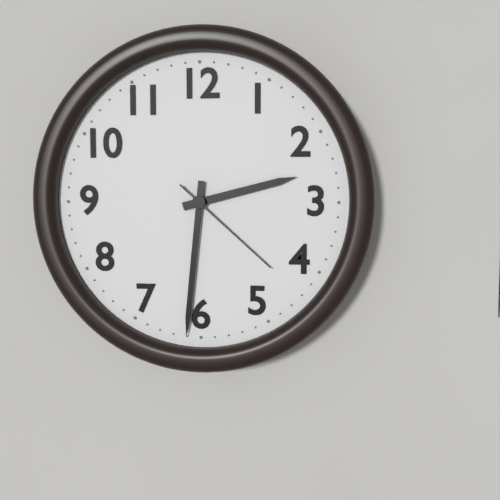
{"hour": 2, "minute": 31, "second": 22}
